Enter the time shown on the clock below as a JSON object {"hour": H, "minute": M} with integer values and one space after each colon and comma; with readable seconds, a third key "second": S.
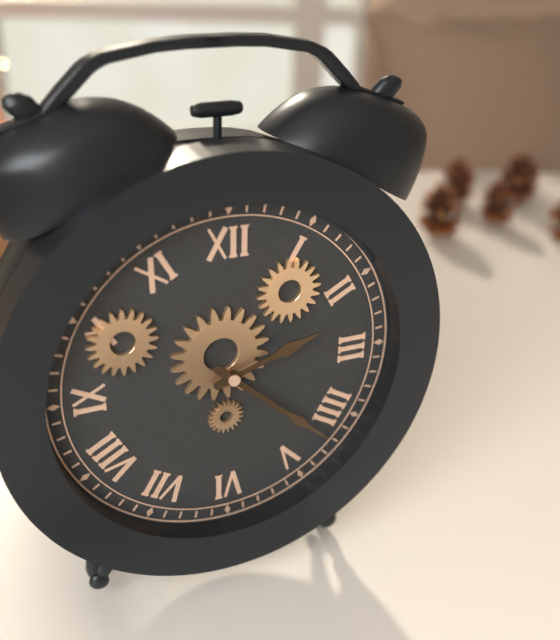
{"hour": 2, "minute": 22}
